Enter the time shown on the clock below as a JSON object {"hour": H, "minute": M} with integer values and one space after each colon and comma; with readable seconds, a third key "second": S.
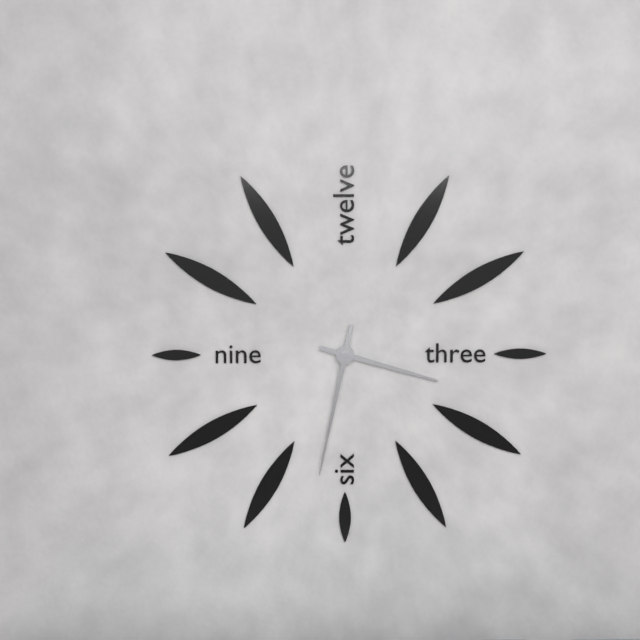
{"hour": 3, "minute": 32}
